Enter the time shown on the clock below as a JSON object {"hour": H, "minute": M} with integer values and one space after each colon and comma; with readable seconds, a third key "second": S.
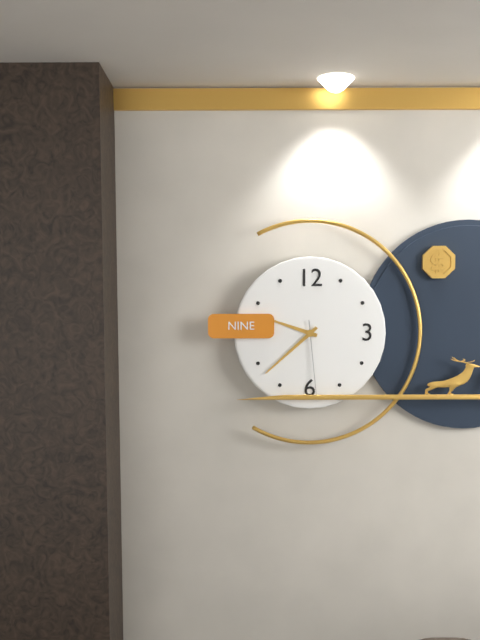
{"hour": 9, "minute": 38, "second": 29}
